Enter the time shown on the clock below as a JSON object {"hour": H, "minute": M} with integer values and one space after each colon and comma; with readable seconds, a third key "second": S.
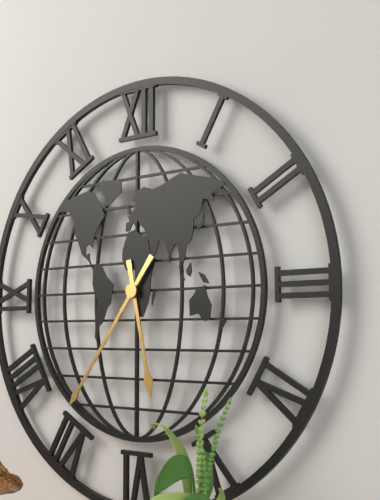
{"hour": 5, "minute": 36}
